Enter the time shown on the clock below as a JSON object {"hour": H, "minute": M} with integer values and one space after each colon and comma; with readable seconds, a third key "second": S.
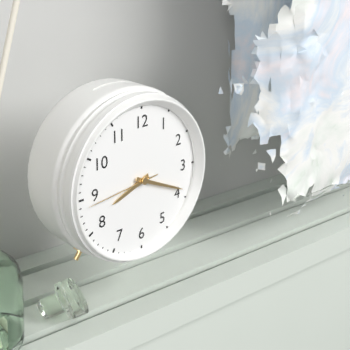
{"hour": 8, "minute": 19, "second": 44}
